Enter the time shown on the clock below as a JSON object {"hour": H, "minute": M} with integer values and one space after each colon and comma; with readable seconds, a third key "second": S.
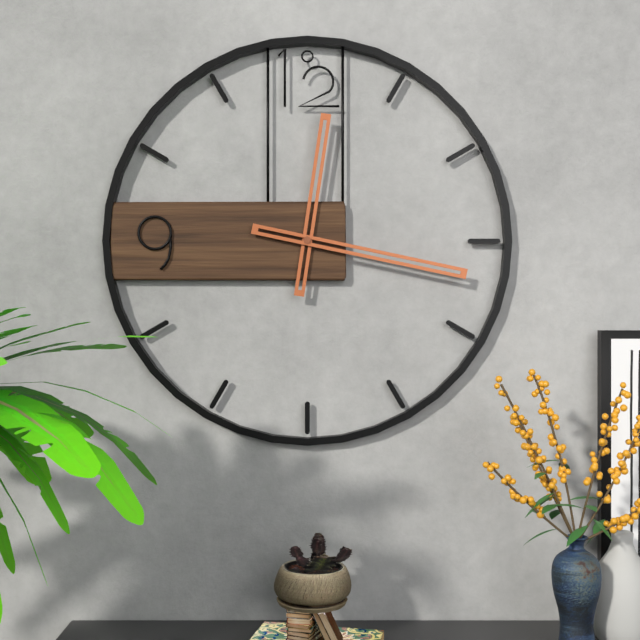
{"hour": 12, "minute": 17}
